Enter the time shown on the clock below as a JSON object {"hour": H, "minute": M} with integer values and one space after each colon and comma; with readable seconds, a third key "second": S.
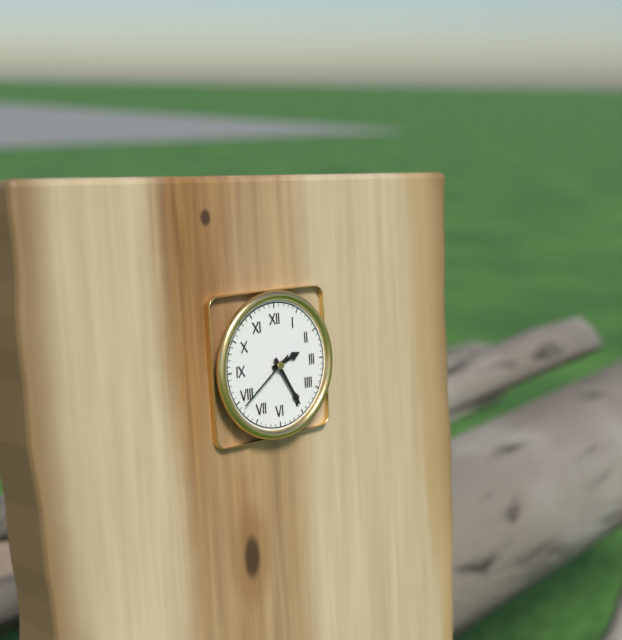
{"hour": 2, "minute": 25, "second": 39}
